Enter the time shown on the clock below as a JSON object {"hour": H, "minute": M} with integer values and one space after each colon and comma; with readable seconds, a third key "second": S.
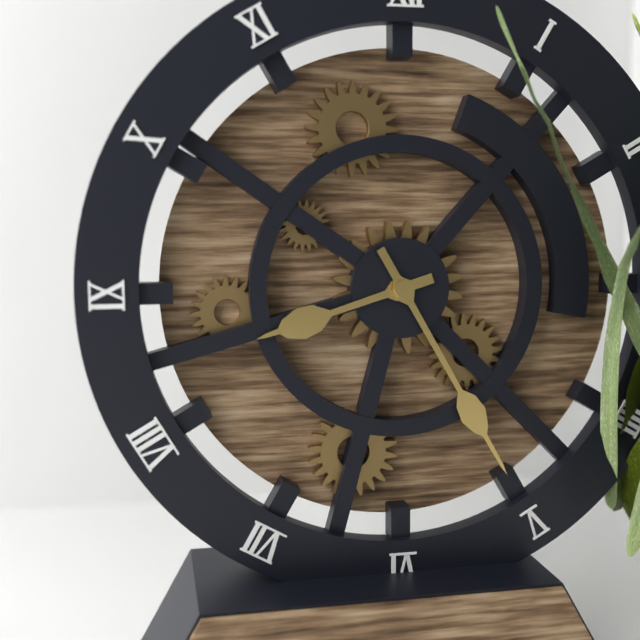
{"hour": 8, "minute": 25}
